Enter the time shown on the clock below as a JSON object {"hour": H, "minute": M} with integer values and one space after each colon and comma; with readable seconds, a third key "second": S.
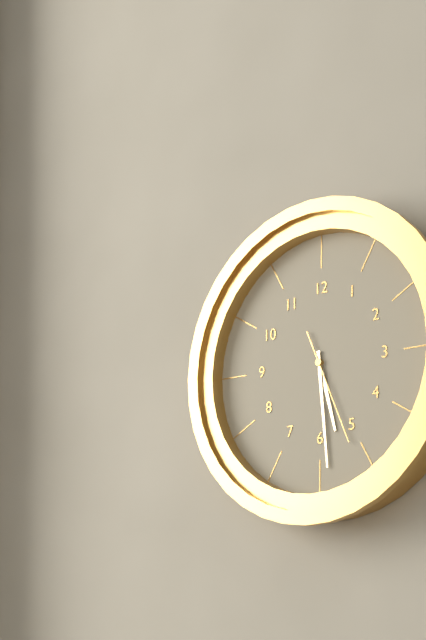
{"hour": 5, "minute": 29, "second": 26}
